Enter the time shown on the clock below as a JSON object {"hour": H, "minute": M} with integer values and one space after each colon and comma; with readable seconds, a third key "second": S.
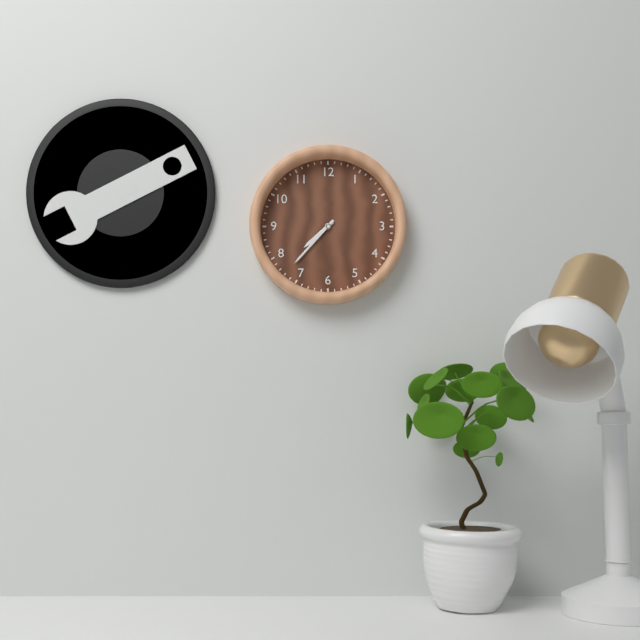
{"hour": 7, "minute": 37}
